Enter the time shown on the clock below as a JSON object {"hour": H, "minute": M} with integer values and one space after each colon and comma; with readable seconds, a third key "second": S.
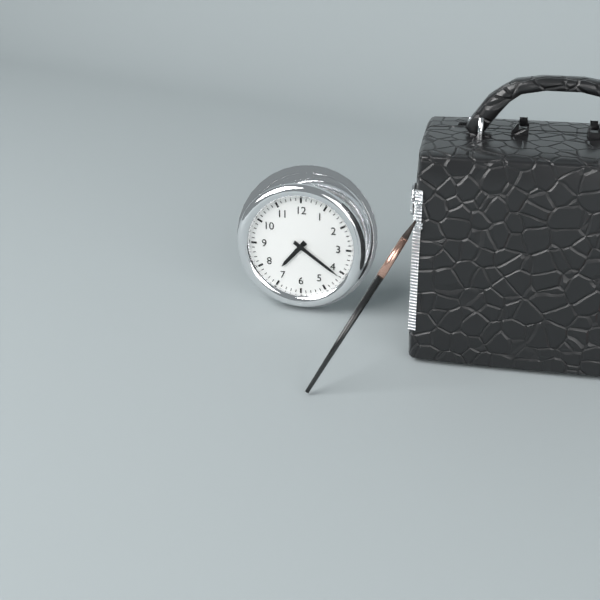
{"hour": 7, "minute": 21}
